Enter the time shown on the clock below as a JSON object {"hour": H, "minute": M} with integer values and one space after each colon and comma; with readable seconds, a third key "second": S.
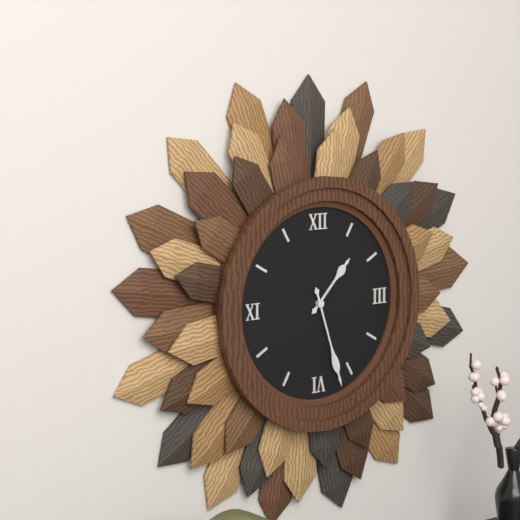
{"hour": 1, "minute": 27}
